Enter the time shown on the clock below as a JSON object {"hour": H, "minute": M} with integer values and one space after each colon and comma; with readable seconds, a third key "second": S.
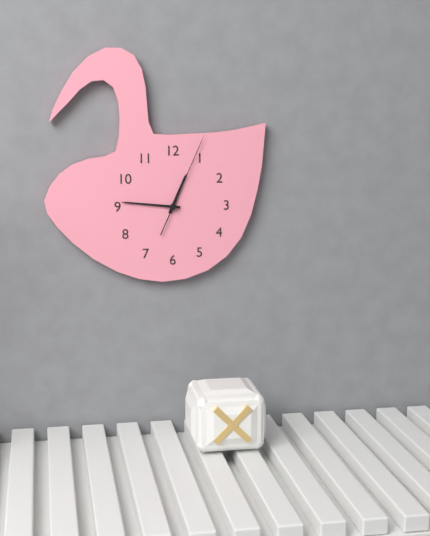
{"hour": 12, "minute": 46, "second": 4}
